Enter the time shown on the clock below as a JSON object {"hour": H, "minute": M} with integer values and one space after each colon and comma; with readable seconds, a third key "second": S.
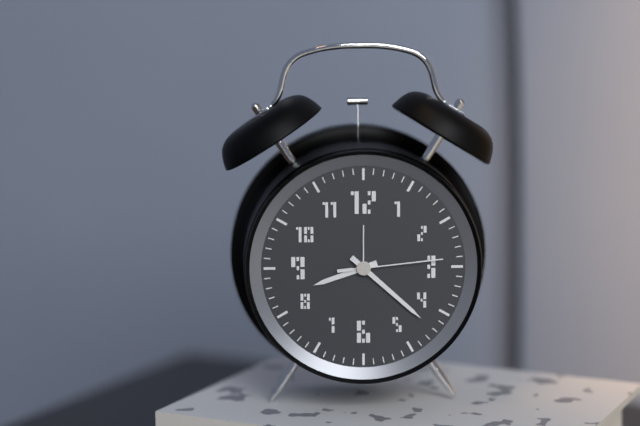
{"hour": 8, "minute": 22, "second": 14}
